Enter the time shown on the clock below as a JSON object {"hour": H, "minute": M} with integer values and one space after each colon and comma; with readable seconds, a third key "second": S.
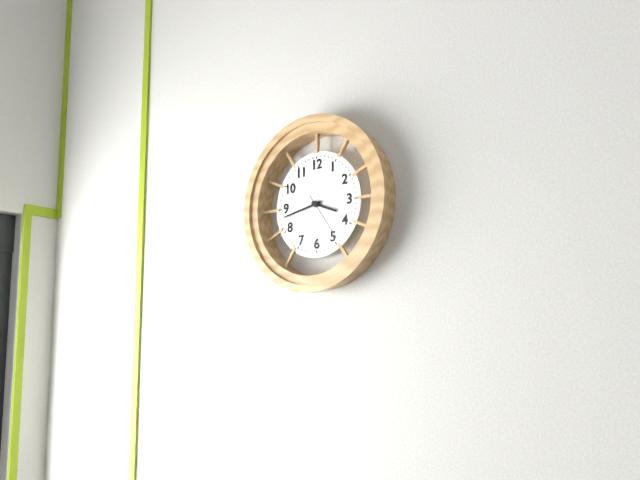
{"hour": 3, "minute": 43, "second": 24}
